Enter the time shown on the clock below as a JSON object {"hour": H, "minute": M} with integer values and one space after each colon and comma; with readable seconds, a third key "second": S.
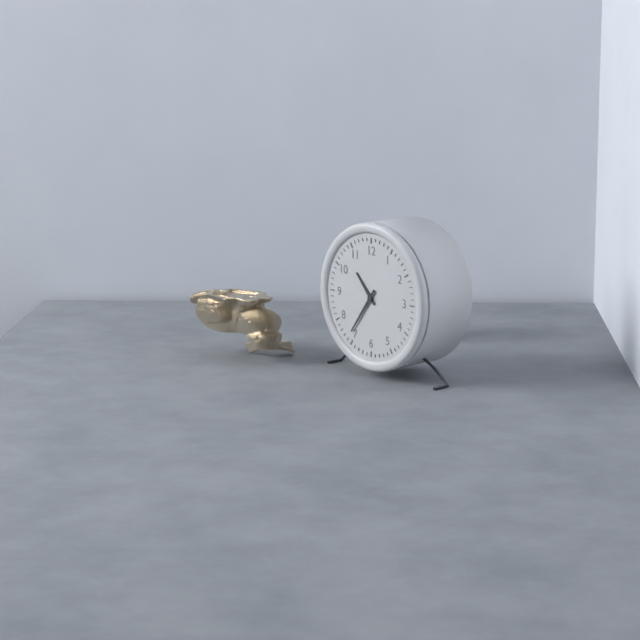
{"hour": 10, "minute": 36}
